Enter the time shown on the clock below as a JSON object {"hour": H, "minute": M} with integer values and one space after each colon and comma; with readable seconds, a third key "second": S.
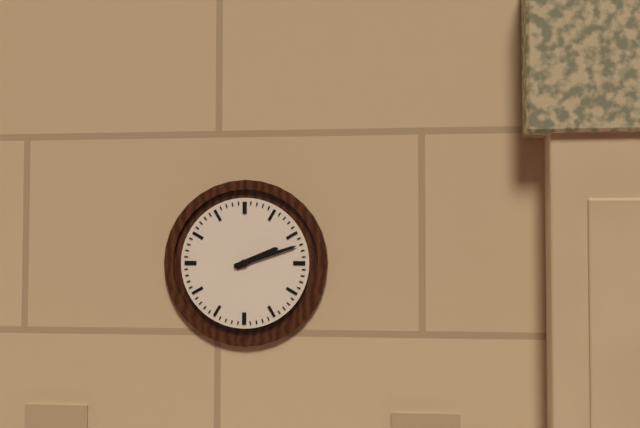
{"hour": 2, "minute": 12}
